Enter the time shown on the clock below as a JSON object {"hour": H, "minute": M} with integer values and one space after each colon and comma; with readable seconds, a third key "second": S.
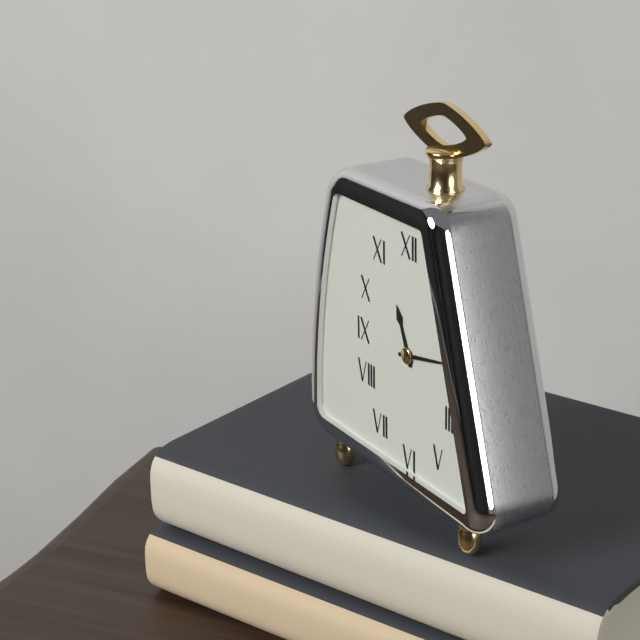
{"hour": 11, "minute": 13}
